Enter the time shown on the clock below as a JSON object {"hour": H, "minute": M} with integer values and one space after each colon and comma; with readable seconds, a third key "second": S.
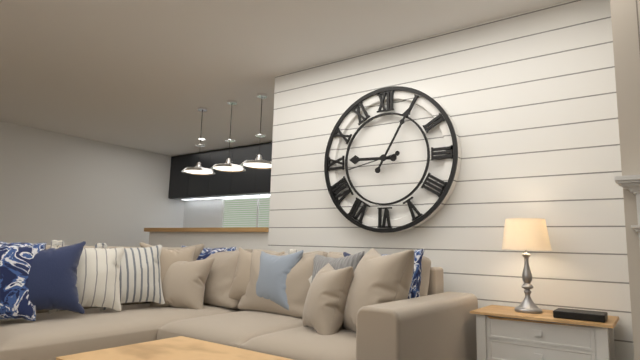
{"hour": 9, "minute": 5}
